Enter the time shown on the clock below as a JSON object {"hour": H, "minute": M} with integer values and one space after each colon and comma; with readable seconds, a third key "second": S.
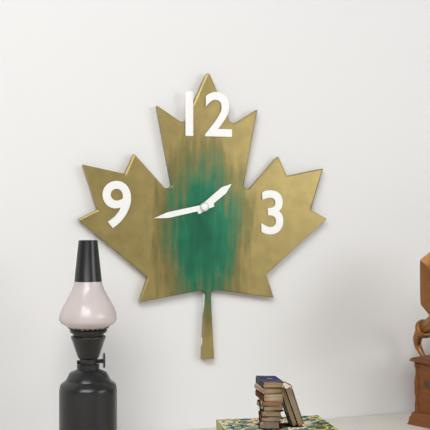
{"hour": 1, "minute": 43}
